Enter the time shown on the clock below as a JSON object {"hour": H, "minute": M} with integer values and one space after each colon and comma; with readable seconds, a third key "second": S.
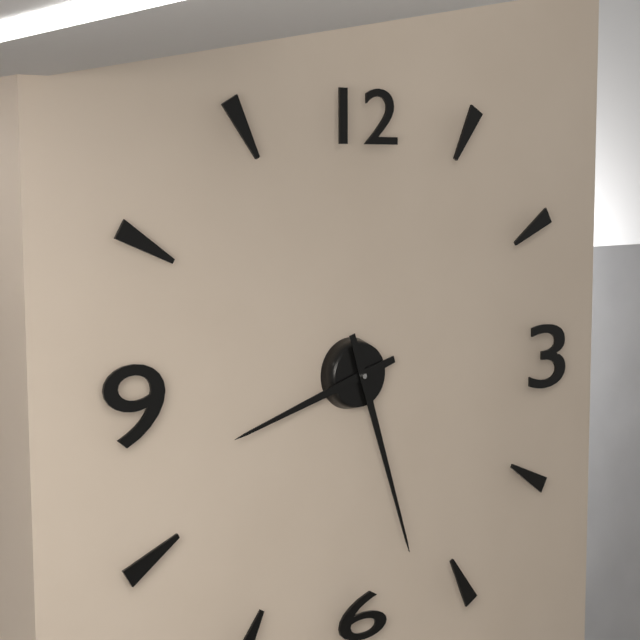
{"hour": 8, "minute": 27}
